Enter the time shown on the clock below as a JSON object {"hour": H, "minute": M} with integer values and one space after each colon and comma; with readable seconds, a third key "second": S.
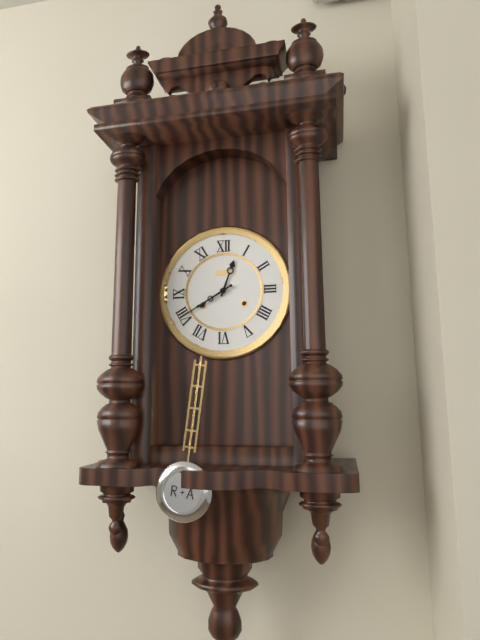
{"hour": 12, "minute": 40}
